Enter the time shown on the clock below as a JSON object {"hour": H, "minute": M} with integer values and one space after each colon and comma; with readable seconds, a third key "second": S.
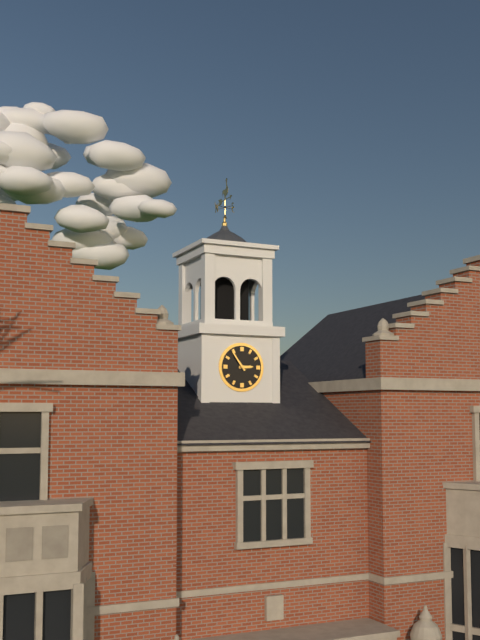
{"hour": 2, "minute": 54}
